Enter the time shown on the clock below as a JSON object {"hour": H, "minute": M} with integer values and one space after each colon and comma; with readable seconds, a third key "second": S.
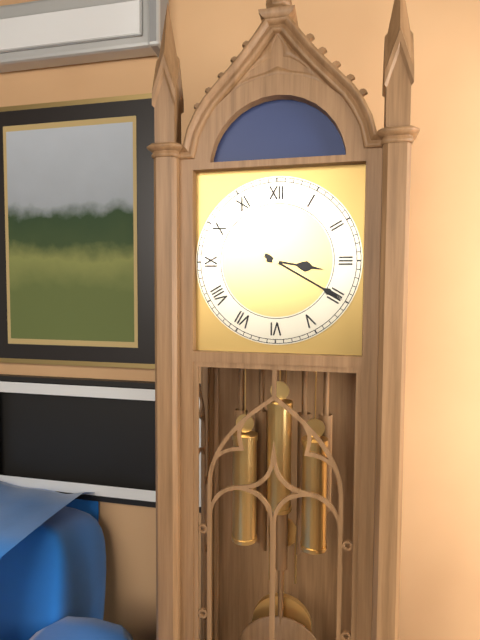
{"hour": 3, "minute": 20}
